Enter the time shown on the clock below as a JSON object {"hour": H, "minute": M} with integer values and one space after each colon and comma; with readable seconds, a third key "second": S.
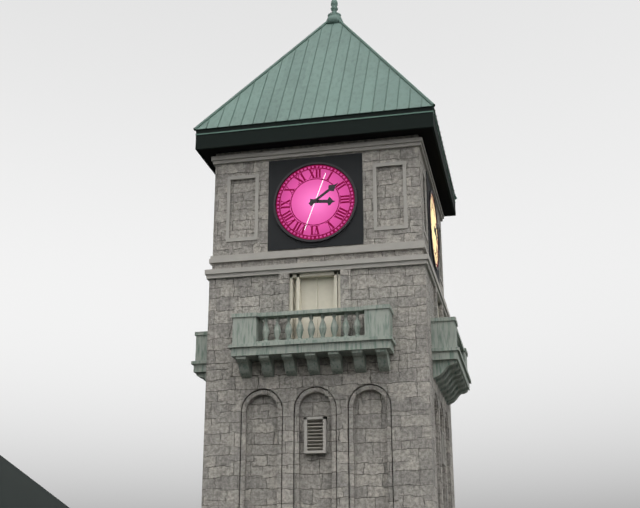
{"hour": 3, "minute": 9}
